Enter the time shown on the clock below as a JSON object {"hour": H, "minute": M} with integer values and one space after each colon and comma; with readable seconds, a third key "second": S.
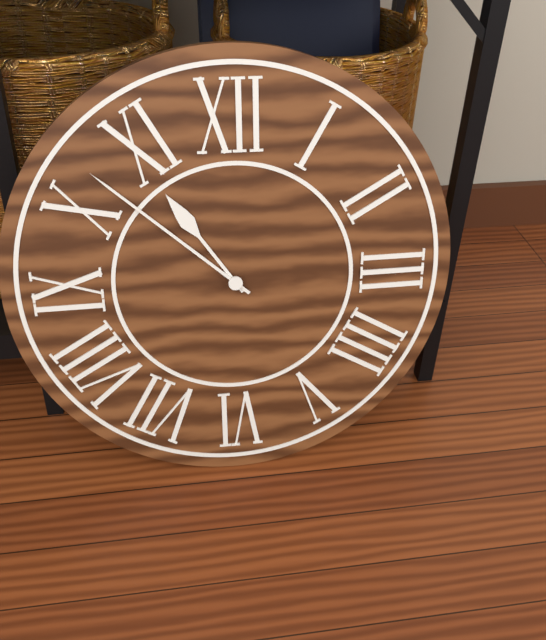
{"hour": 10, "minute": 52}
